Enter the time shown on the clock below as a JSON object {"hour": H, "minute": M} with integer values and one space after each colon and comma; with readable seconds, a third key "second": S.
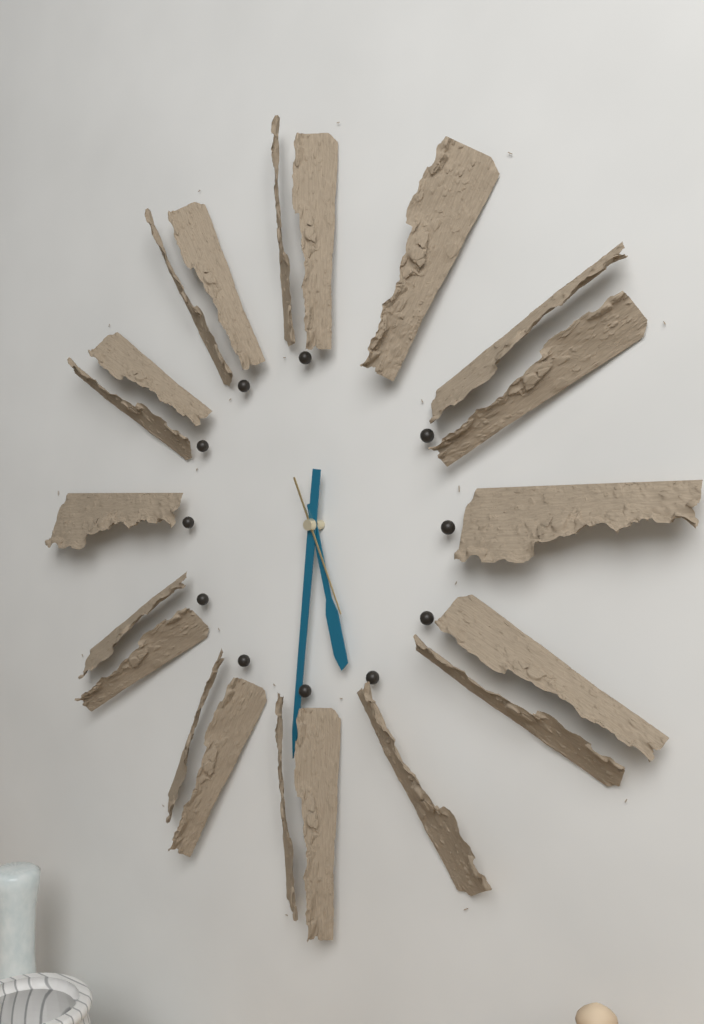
{"hour": 5, "minute": 31, "second": 26}
